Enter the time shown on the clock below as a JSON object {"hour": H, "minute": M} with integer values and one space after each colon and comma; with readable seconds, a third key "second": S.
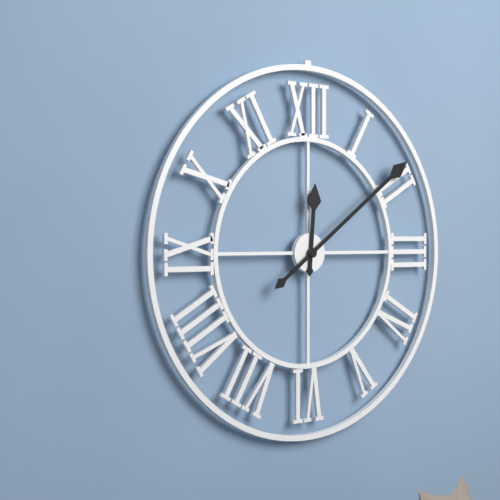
{"hour": 12, "minute": 9}
